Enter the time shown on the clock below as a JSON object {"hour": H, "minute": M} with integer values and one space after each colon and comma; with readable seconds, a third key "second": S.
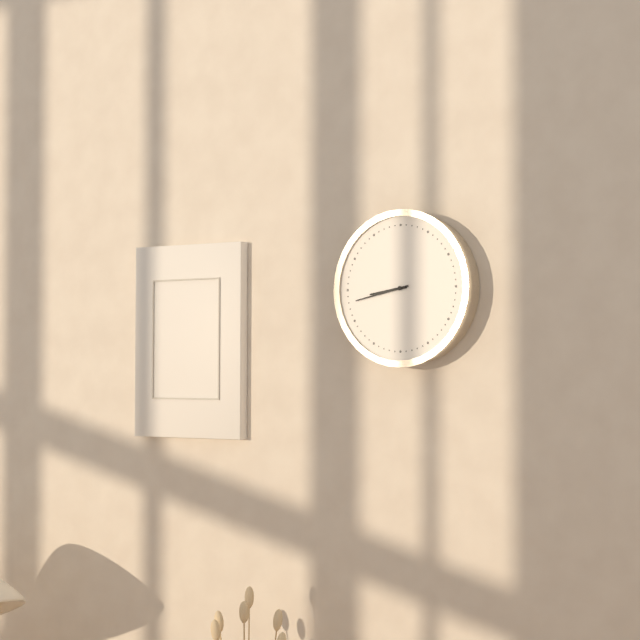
{"hour": 8, "minute": 43}
